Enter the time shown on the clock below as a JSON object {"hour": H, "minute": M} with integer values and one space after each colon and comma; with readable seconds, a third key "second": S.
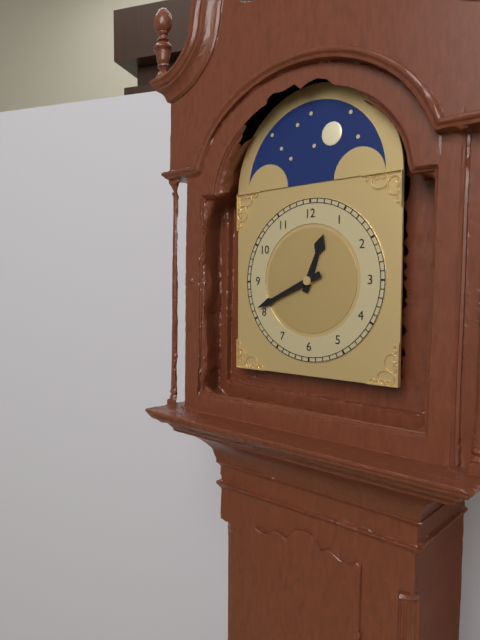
{"hour": 12, "minute": 41}
